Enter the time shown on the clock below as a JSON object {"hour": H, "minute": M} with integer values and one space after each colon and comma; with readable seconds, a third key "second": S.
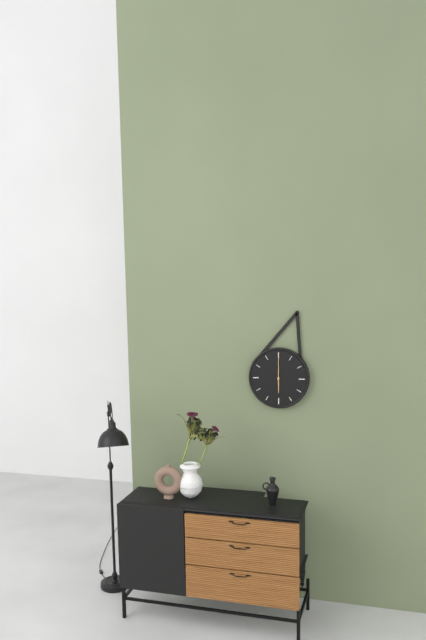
{"hour": 6, "minute": 0}
